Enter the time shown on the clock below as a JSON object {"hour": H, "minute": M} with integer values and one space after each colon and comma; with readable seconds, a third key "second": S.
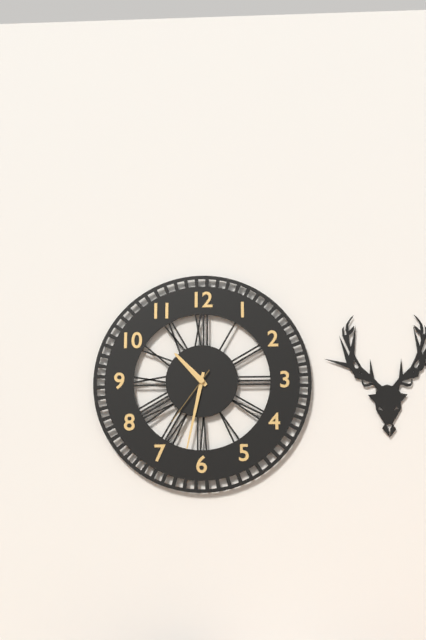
{"hour": 10, "minute": 32, "second": 36}
